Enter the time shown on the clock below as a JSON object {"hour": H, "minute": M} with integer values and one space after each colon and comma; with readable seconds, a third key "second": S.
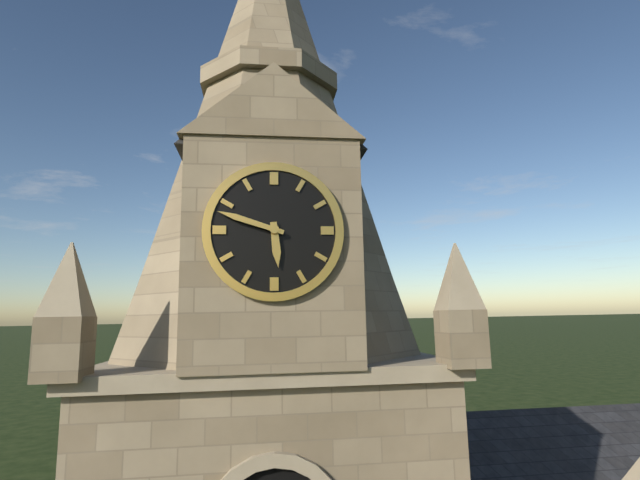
{"hour": 5, "minute": 48}
